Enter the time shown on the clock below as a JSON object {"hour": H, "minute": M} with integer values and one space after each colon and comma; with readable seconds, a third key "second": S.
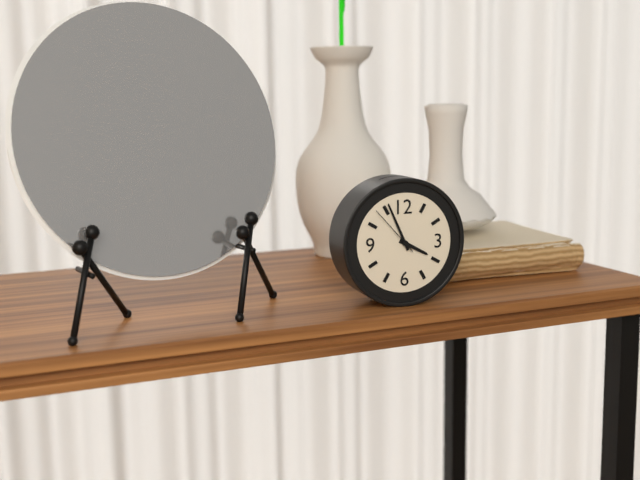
{"hour": 3, "minute": 56, "second": 53}
